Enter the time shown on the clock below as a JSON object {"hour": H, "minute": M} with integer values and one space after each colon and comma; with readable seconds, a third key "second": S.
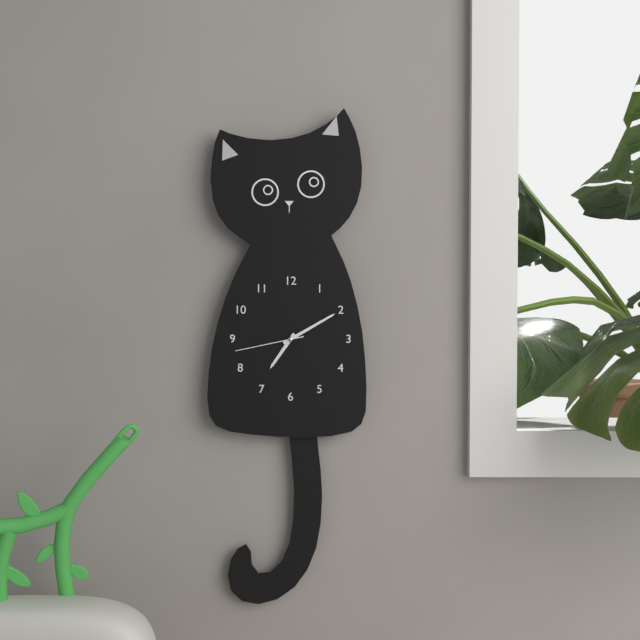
{"hour": 7, "minute": 10, "second": 43}
